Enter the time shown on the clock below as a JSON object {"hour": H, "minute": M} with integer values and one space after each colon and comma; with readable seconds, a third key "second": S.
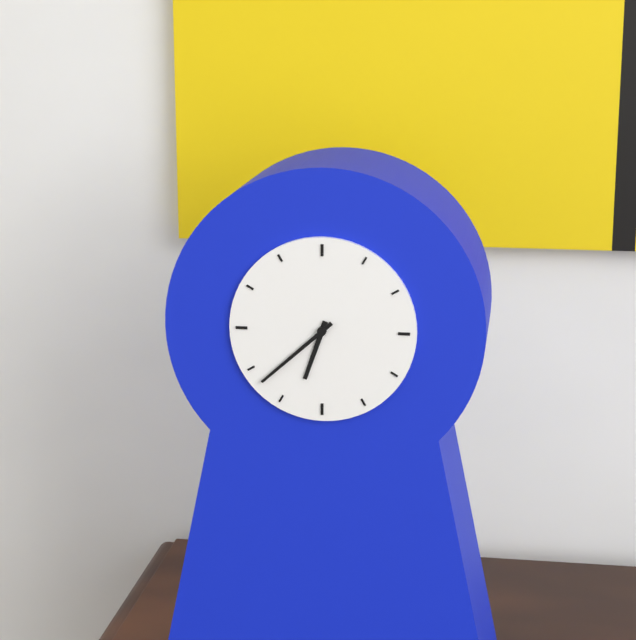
{"hour": 6, "minute": 38}
